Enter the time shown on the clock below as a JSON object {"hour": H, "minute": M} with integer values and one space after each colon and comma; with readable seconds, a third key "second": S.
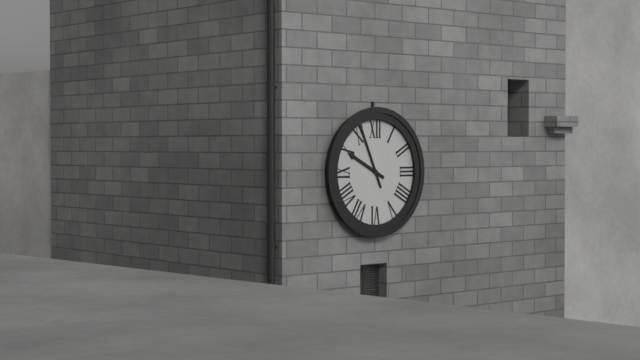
{"hour": 9, "minute": 56}
